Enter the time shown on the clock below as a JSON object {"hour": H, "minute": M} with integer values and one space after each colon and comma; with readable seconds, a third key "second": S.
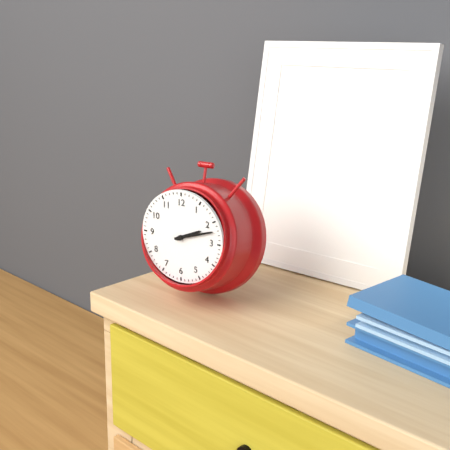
{"hour": 2, "minute": 12}
